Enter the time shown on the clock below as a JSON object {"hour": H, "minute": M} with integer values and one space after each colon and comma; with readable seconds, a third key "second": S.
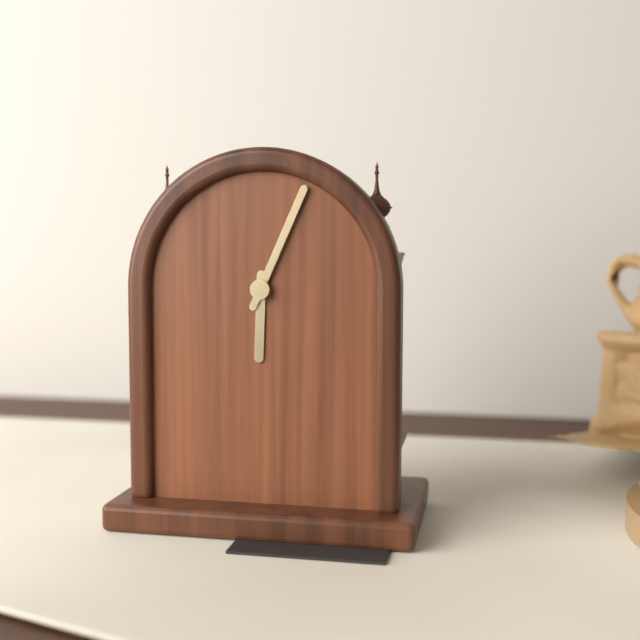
{"hour": 6, "minute": 4}
